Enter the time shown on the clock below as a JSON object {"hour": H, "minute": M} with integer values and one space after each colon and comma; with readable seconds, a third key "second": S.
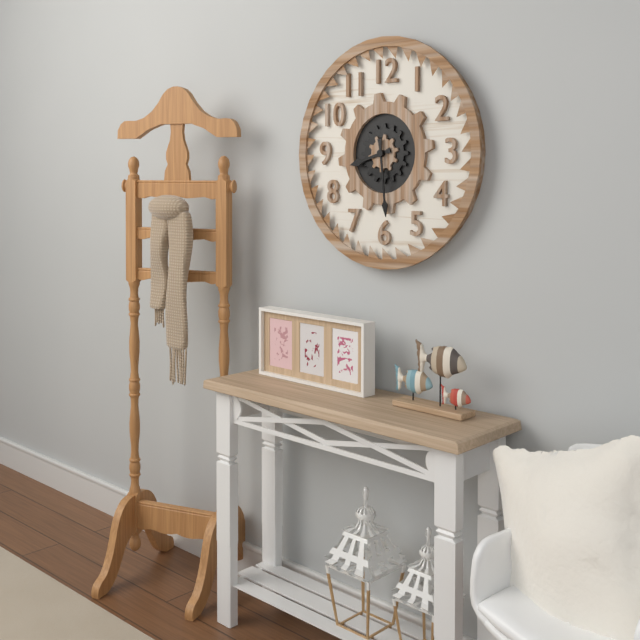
{"hour": 8, "minute": 29}
